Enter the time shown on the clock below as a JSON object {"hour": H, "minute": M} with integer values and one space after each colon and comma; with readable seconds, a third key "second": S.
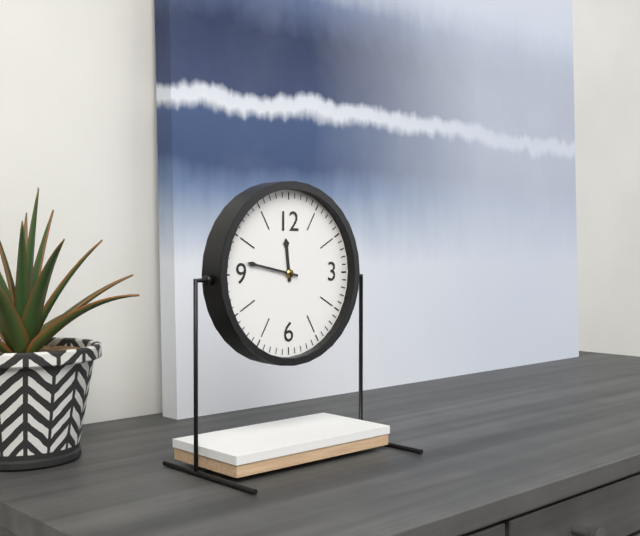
{"hour": 11, "minute": 47}
